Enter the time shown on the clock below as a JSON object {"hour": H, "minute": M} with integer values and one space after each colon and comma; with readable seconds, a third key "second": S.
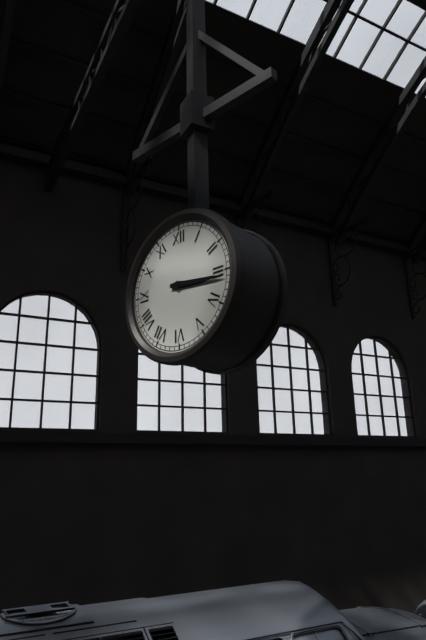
{"hour": 3, "minute": 16}
